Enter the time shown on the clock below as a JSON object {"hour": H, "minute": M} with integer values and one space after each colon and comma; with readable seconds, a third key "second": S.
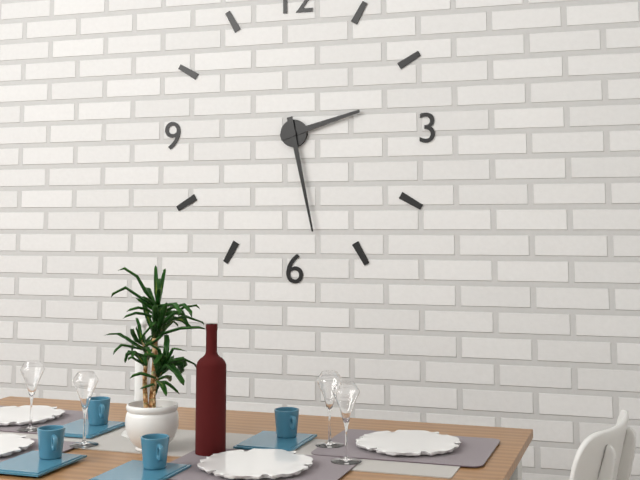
{"hour": 2, "minute": 28}
